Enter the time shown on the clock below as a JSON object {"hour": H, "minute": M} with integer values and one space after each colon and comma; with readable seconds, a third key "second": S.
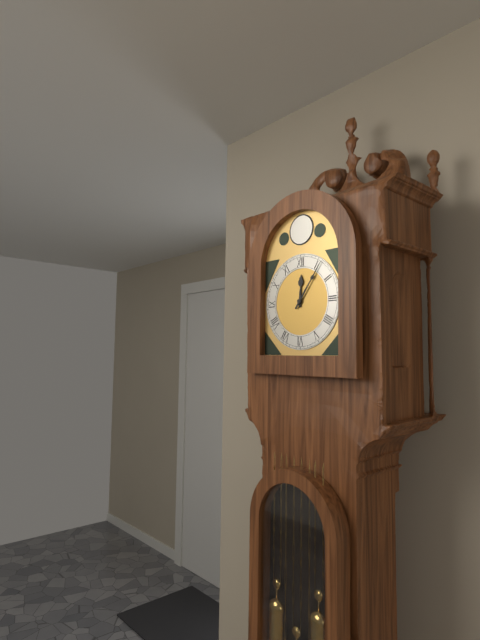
{"hour": 12, "minute": 6}
